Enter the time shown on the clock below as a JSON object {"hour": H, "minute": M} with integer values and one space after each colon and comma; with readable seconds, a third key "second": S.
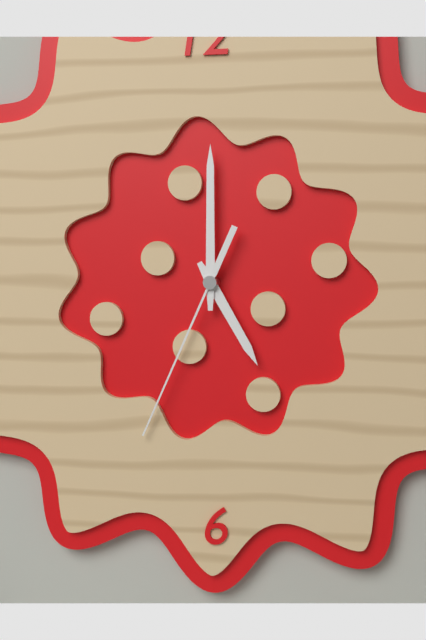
{"hour": 5, "minute": 0, "second": 34}
